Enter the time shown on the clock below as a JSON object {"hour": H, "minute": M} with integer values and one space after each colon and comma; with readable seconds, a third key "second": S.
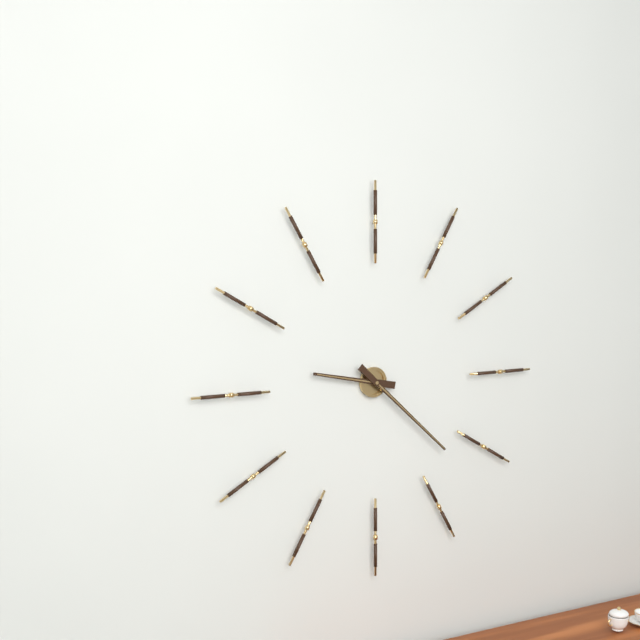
{"hour": 9, "minute": 22}
